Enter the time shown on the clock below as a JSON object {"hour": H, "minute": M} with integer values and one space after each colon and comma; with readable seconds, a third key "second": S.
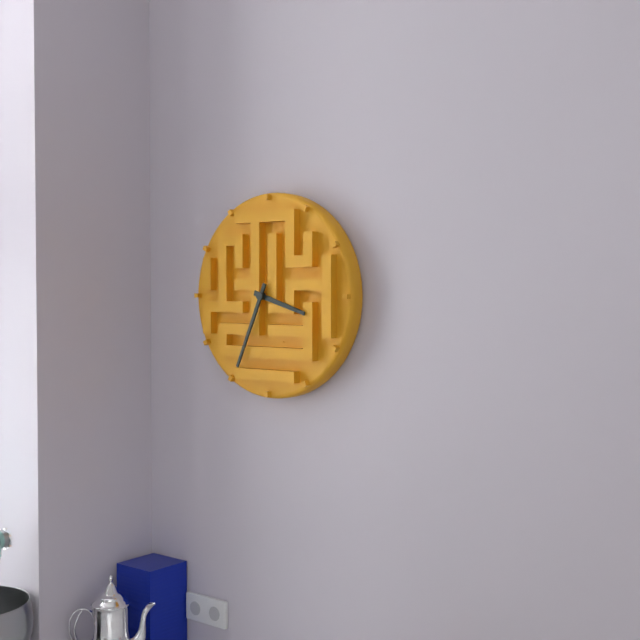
{"hour": 3, "minute": 34}
